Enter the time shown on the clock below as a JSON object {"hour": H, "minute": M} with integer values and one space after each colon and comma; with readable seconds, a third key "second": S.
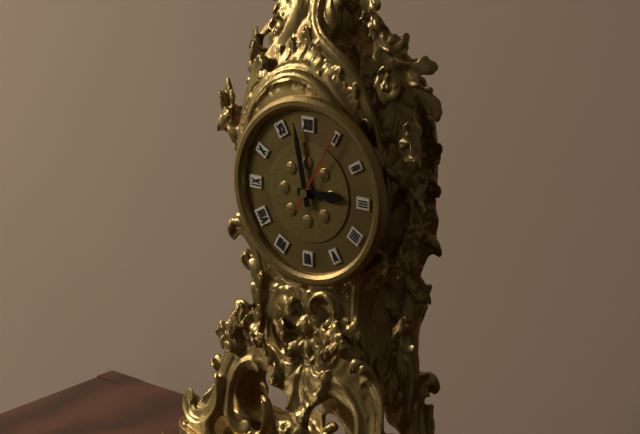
{"hour": 2, "minute": 58, "second": 5}
